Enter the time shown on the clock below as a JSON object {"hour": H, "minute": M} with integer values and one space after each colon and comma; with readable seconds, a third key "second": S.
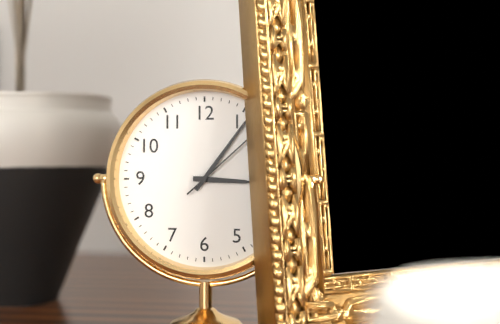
{"hour": 3, "minute": 6, "second": 8}
